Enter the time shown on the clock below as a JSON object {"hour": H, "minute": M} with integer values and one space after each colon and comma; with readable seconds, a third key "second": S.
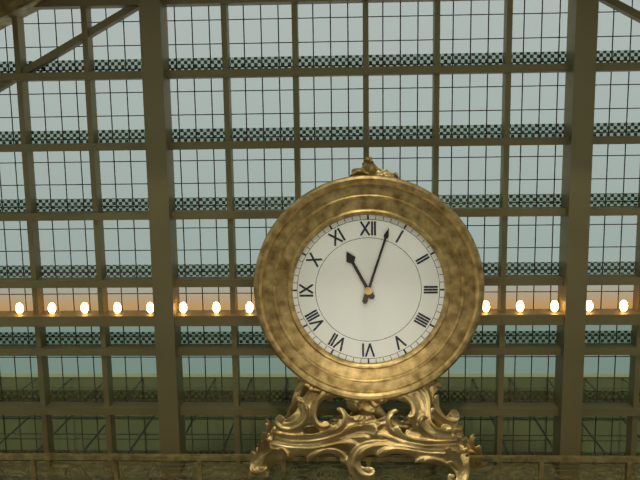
{"hour": 11, "minute": 3}
